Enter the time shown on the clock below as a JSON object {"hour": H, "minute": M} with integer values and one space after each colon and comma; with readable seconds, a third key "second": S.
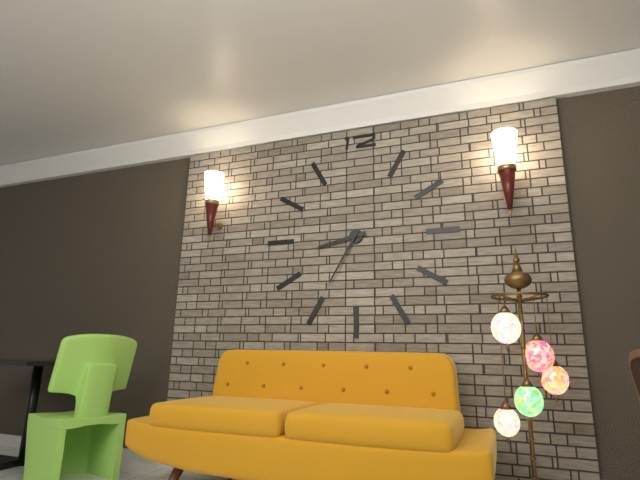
{"hour": 8, "minute": 35}
